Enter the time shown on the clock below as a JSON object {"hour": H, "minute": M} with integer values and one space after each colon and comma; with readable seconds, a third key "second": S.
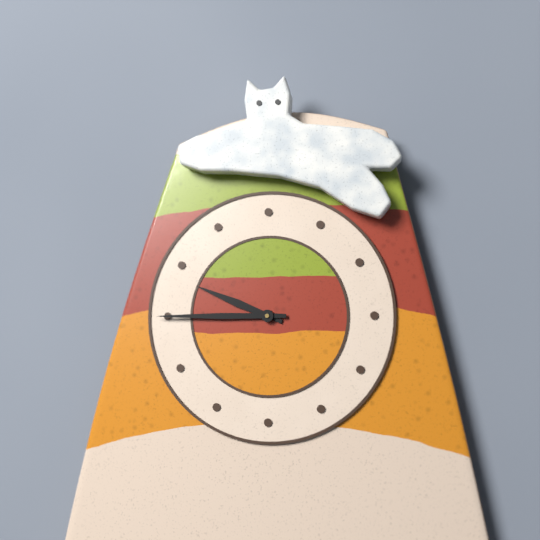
{"hour": 9, "minute": 45}
